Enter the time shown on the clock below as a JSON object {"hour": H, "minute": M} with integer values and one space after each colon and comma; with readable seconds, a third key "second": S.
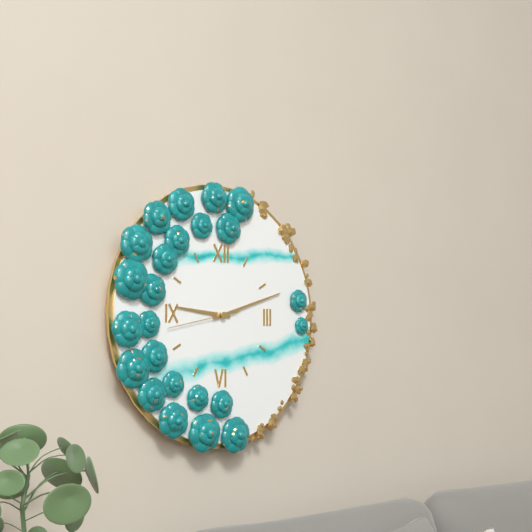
{"hour": 9, "minute": 12, "second": 43}
